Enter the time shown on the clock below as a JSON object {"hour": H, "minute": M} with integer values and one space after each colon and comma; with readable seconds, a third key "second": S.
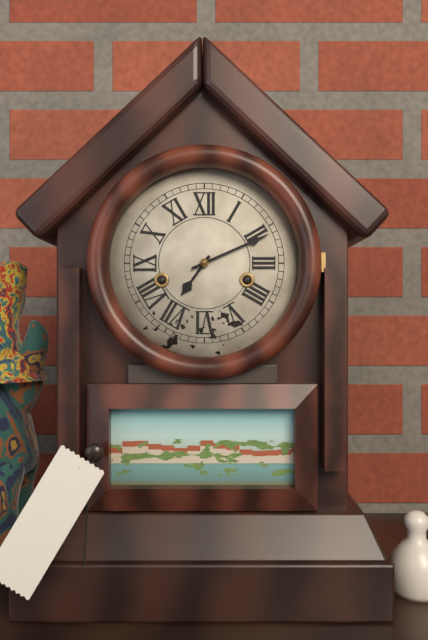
{"hour": 7, "minute": 11}
